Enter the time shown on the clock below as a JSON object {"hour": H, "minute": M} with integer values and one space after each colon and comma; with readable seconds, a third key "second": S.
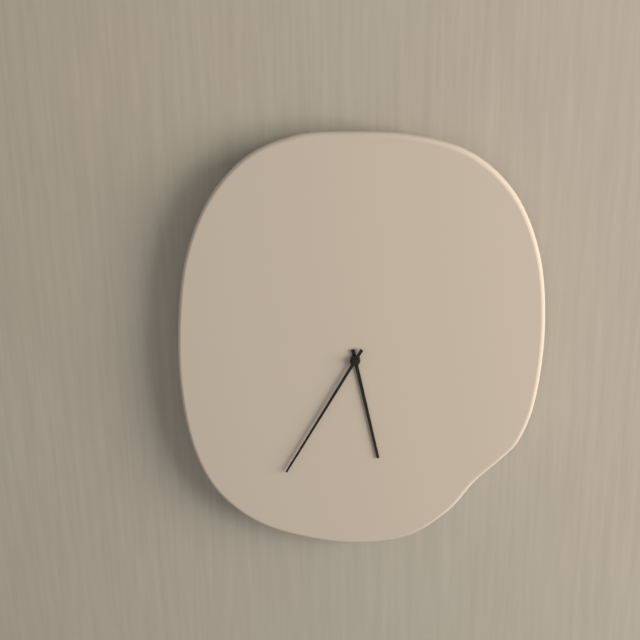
{"hour": 5, "minute": 35}
